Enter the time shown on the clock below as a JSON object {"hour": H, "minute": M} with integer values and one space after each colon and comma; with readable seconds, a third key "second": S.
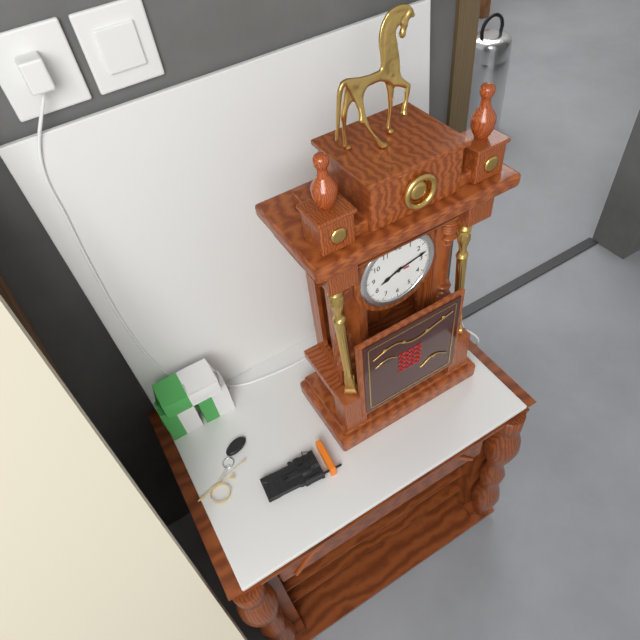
{"hour": 8, "minute": 13}
